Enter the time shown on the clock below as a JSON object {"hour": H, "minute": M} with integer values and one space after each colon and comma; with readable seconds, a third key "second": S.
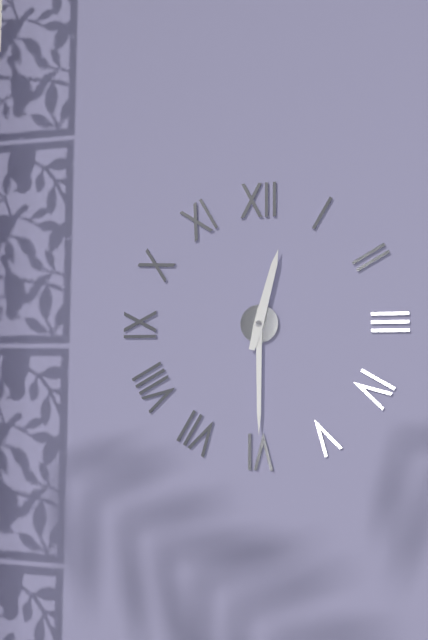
{"hour": 12, "minute": 30}
